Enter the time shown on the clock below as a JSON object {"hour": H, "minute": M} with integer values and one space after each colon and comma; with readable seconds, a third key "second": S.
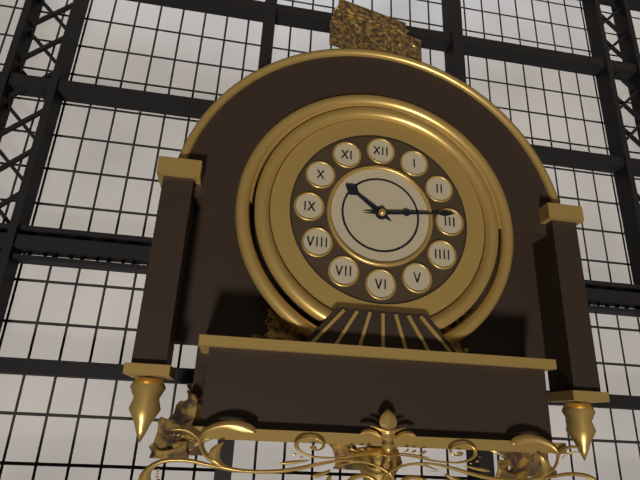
{"hour": 10, "minute": 14}
